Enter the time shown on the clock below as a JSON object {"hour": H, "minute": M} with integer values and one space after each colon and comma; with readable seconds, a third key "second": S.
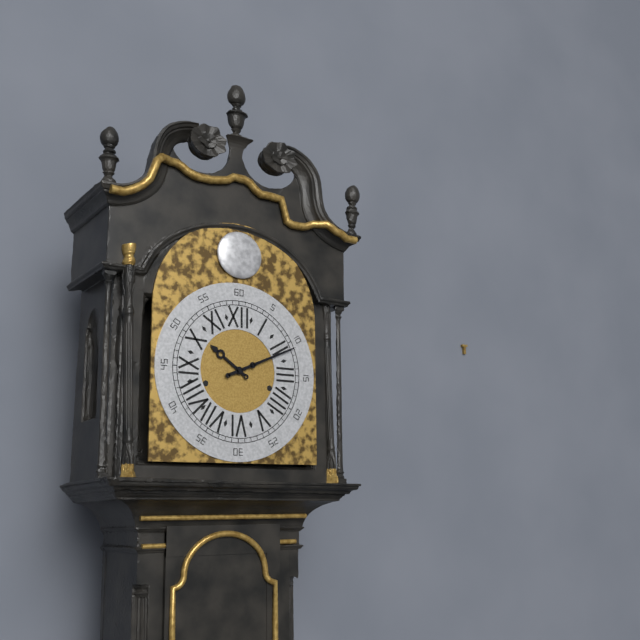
{"hour": 10, "minute": 11}
